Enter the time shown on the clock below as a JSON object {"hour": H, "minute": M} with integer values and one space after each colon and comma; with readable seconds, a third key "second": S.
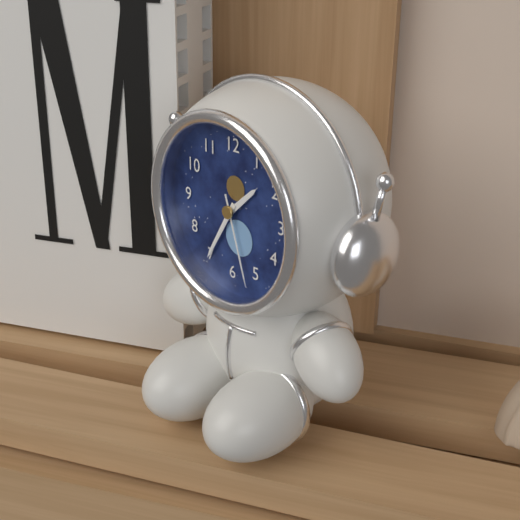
{"hour": 1, "minute": 35, "second": 27}
